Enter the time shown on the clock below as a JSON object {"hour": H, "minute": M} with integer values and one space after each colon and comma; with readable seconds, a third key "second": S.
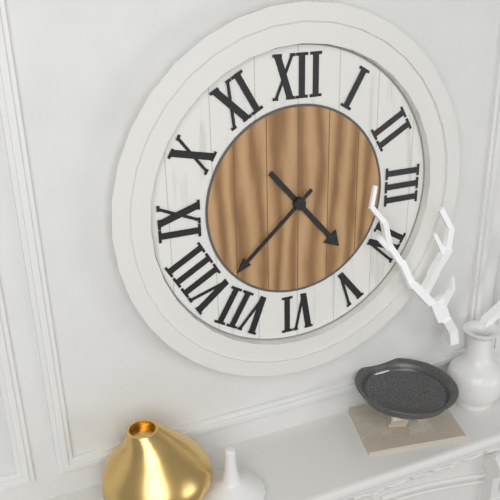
{"hour": 4, "minute": 38}
